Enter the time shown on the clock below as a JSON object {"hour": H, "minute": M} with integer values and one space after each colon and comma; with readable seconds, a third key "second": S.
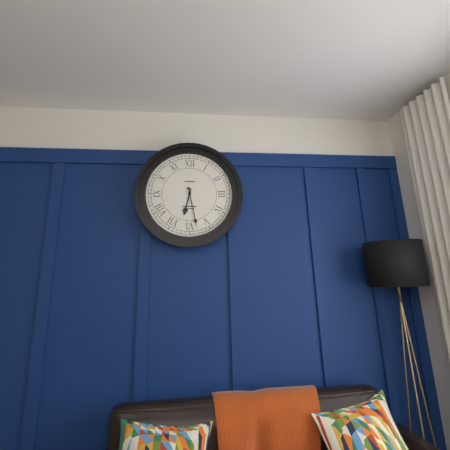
{"hour": 6, "minute": 28}
